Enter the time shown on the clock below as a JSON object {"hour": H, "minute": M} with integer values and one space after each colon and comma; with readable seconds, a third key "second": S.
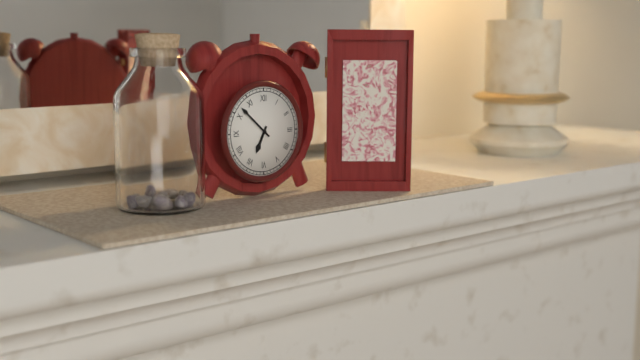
{"hour": 6, "minute": 52}
